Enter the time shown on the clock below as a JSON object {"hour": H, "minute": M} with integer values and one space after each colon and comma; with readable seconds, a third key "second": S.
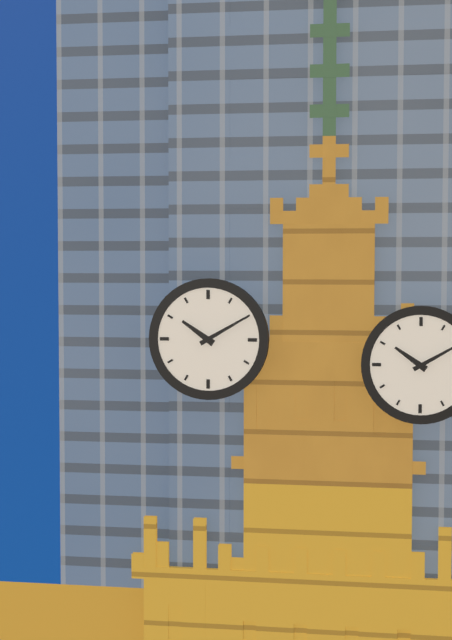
{"hour": 10, "minute": 10}
